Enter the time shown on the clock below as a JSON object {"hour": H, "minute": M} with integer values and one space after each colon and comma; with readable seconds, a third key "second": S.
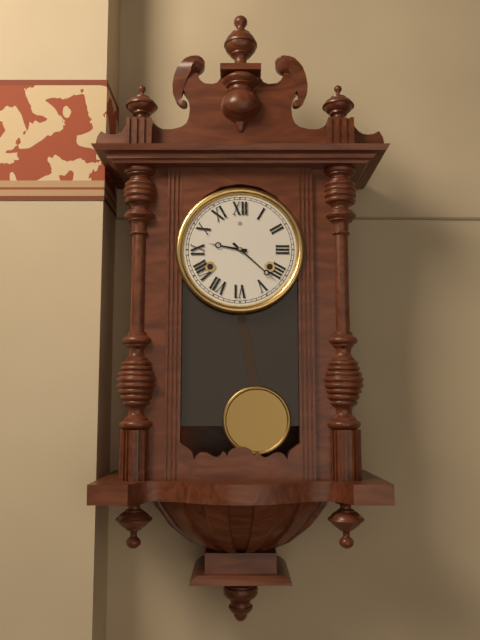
{"hour": 9, "minute": 22}
